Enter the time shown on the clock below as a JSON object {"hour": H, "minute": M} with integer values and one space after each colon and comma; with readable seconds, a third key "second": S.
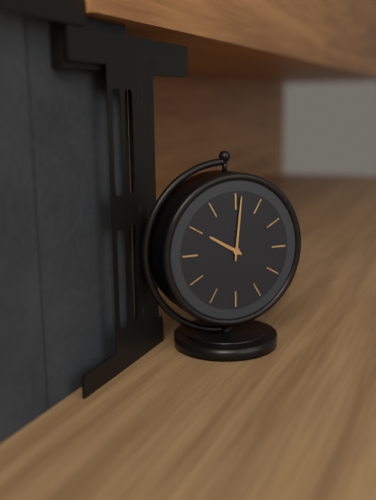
{"hour": 10, "minute": 1}
